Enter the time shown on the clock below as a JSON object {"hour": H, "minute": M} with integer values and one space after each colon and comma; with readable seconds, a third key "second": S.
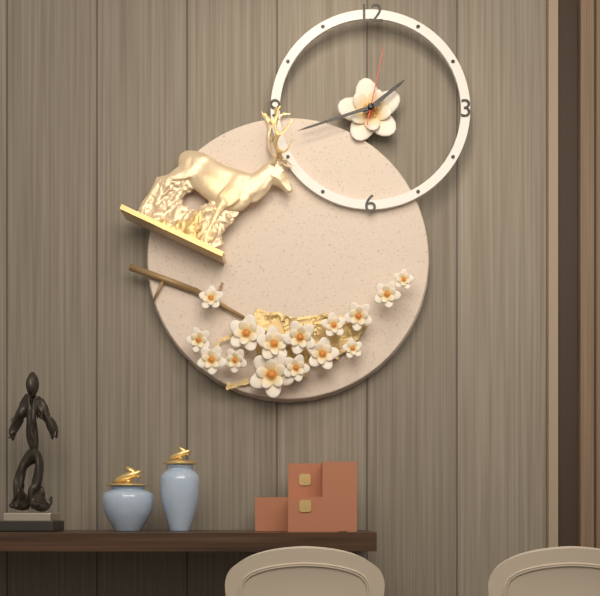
{"hour": 1, "minute": 42, "second": 2}
